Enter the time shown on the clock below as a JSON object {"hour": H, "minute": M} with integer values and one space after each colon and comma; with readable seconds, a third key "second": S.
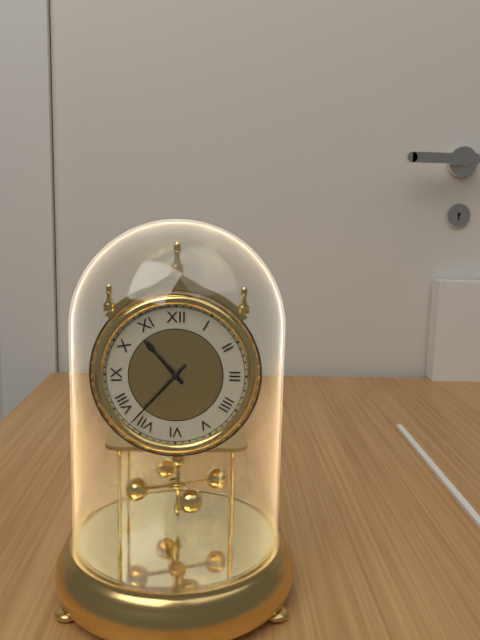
{"hour": 10, "minute": 37}
